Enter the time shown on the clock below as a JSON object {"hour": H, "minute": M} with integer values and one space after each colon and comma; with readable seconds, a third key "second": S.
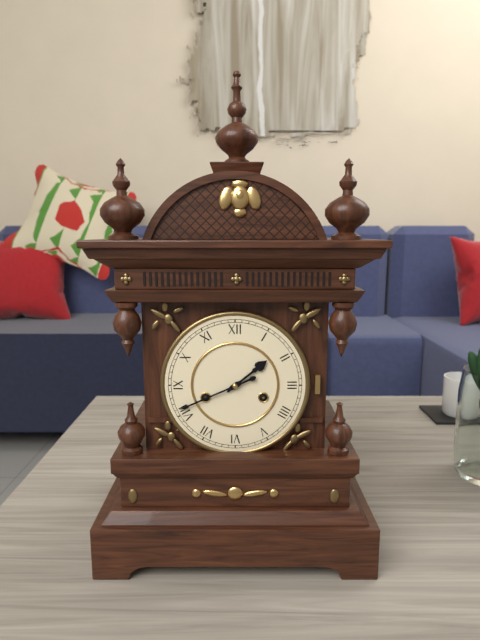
{"hour": 1, "minute": 41}
